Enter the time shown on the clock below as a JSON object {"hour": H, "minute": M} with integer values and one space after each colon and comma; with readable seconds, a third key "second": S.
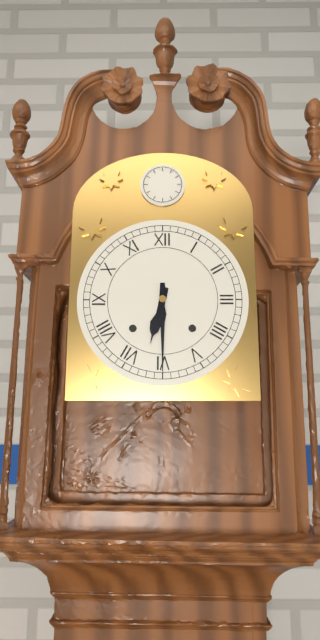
{"hour": 6, "minute": 30}
